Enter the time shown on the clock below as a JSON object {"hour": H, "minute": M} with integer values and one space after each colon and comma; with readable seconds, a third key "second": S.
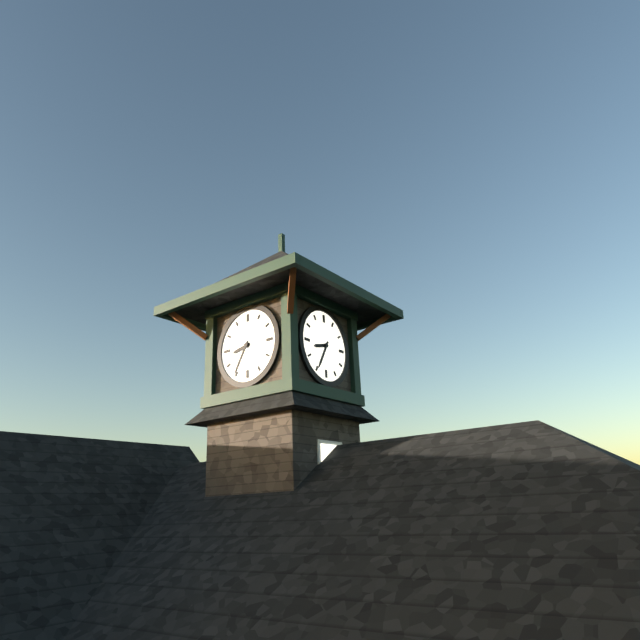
{"hour": 8, "minute": 35}
